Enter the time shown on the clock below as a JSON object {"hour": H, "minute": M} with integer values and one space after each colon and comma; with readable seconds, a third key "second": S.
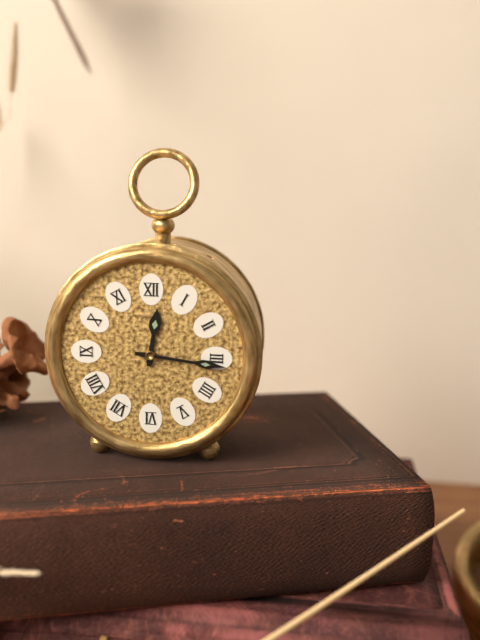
{"hour": 12, "minute": 16}
